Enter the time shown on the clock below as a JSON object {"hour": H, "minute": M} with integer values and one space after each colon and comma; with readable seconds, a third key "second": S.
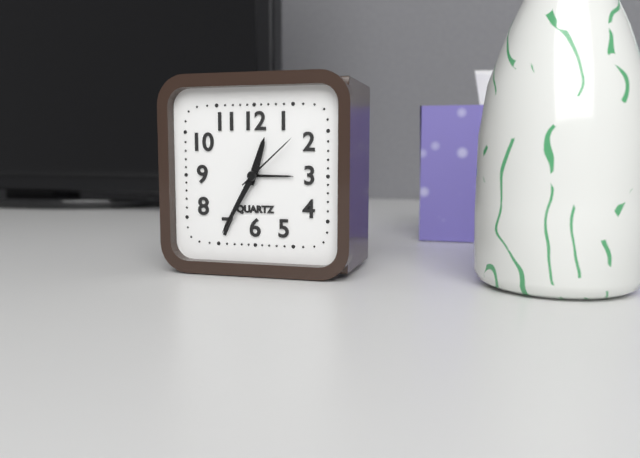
{"hour": 12, "minute": 35, "second": 8}
